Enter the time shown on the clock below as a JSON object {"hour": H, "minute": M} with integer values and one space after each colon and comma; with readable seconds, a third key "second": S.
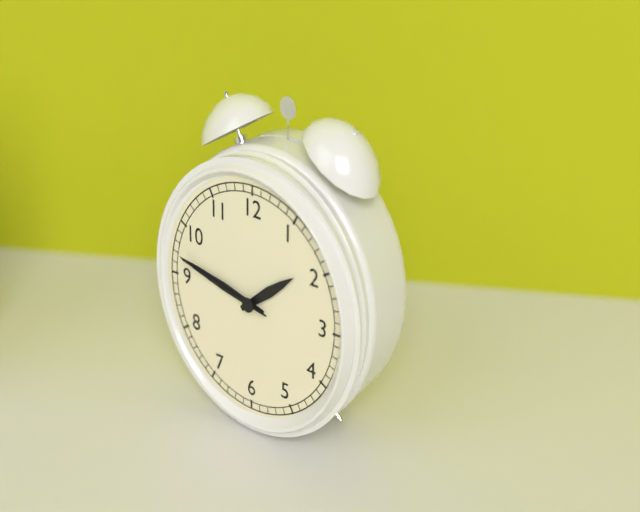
{"hour": 1, "minute": 47, "second": 47}
